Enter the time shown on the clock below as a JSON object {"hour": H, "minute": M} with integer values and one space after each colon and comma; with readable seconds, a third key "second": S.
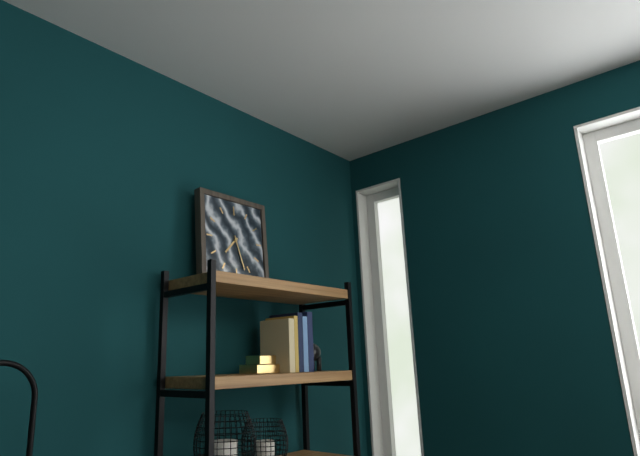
{"hour": 7, "minute": 27}
